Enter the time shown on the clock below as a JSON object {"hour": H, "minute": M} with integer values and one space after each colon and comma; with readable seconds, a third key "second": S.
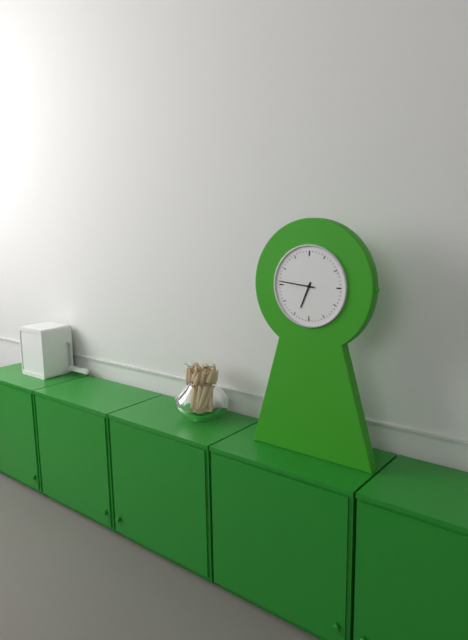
{"hour": 6, "minute": 46}
